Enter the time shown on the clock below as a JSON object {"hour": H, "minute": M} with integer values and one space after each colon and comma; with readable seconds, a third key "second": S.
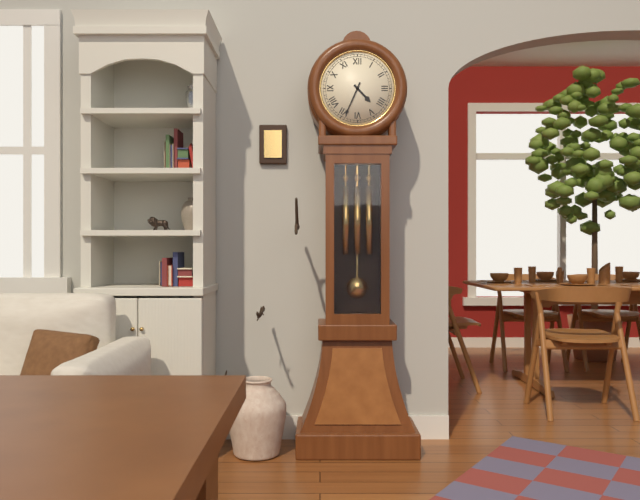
{"hour": 4, "minute": 34}
